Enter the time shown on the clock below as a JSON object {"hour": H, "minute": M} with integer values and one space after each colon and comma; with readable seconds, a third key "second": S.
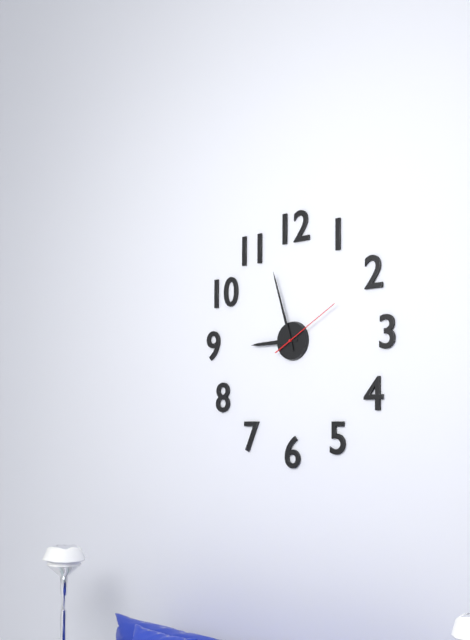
{"hour": 8, "minute": 57, "second": 10}
